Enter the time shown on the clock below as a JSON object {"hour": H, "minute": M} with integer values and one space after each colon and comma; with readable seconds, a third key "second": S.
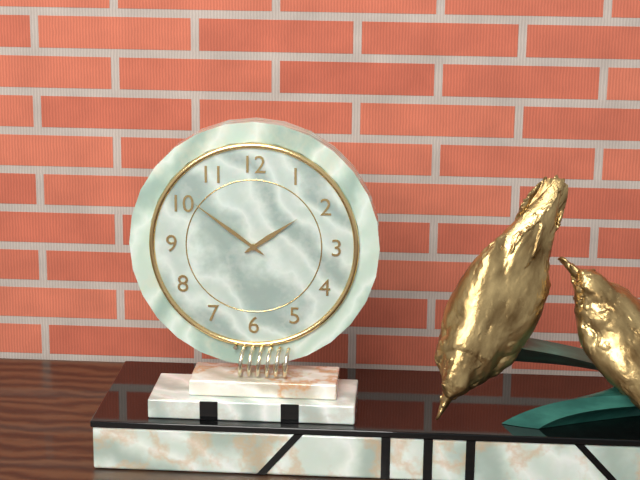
{"hour": 1, "minute": 51}
